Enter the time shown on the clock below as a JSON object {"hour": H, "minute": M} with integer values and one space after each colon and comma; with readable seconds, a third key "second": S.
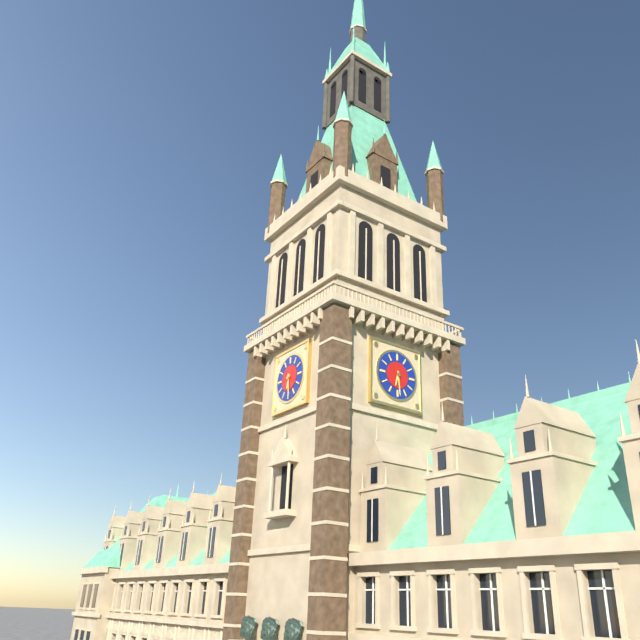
{"hour": 6, "minute": 29}
